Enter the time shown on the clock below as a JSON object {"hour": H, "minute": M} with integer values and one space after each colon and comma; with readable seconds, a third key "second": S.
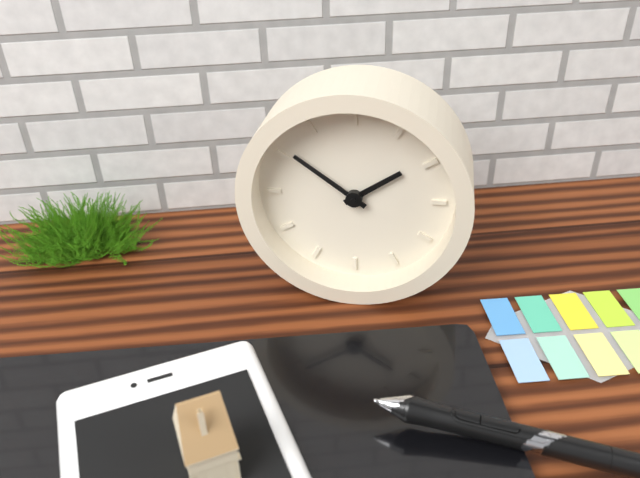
{"hour": 1, "minute": 51}
